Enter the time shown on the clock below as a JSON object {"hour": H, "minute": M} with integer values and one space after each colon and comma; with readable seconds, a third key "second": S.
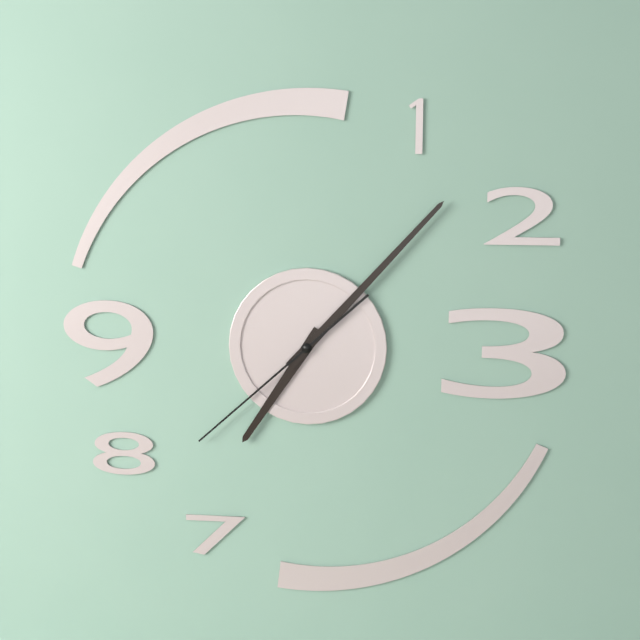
{"hour": 7, "minute": 7, "second": 38}
